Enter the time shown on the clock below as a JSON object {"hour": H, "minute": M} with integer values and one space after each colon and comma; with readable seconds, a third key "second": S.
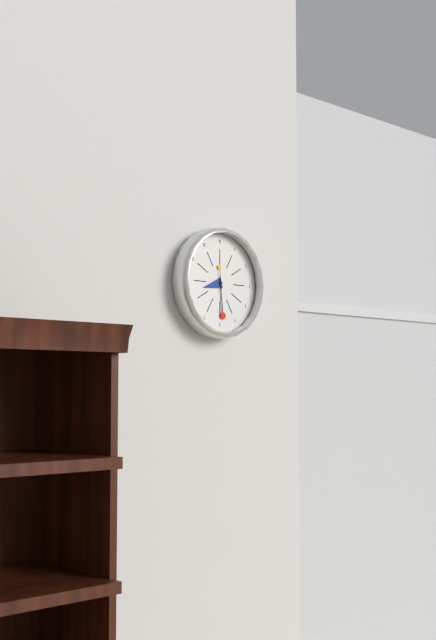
{"hour": 8, "minute": 29}
